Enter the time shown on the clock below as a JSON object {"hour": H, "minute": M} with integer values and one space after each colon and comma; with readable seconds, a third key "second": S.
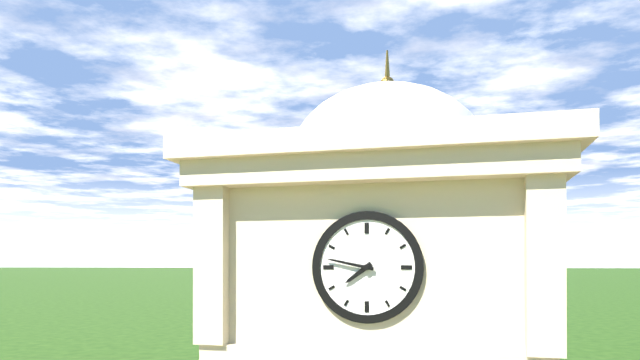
{"hour": 7, "minute": 47}
